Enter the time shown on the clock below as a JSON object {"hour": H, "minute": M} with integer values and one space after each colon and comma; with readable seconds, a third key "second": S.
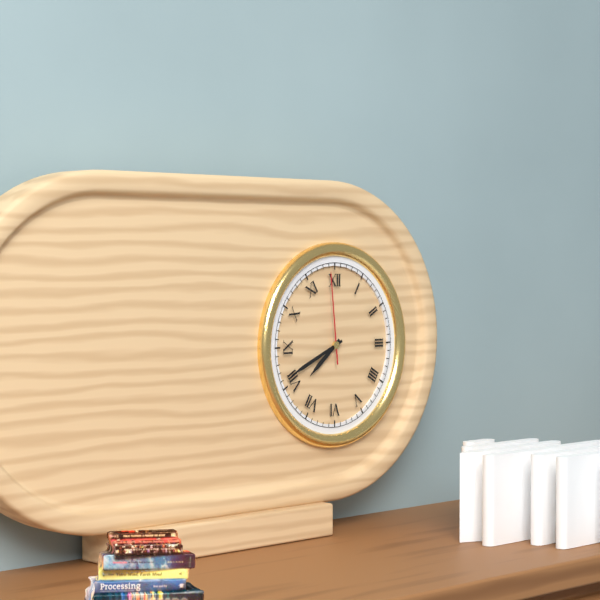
{"hour": 7, "minute": 41, "second": 59}
